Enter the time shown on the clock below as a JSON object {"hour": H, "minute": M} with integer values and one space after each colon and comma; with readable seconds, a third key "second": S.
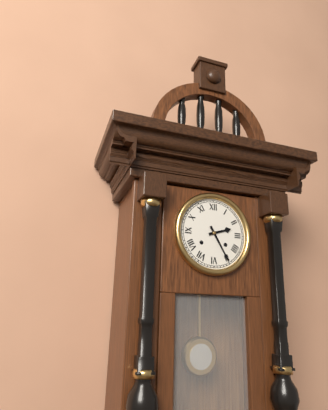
{"hour": 2, "minute": 25}
